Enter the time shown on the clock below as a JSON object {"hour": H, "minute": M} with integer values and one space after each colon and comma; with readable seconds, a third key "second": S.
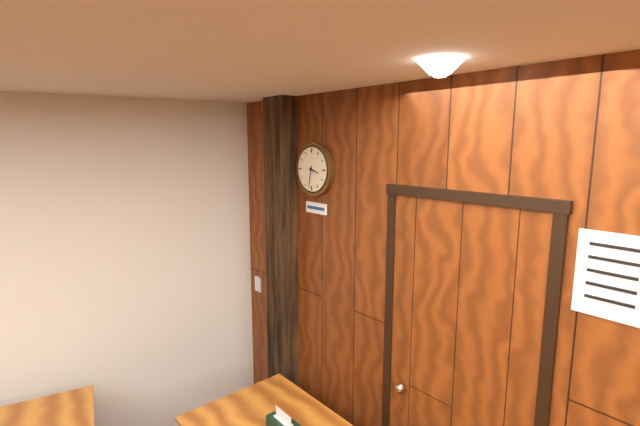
{"hour": 3, "minute": 32}
